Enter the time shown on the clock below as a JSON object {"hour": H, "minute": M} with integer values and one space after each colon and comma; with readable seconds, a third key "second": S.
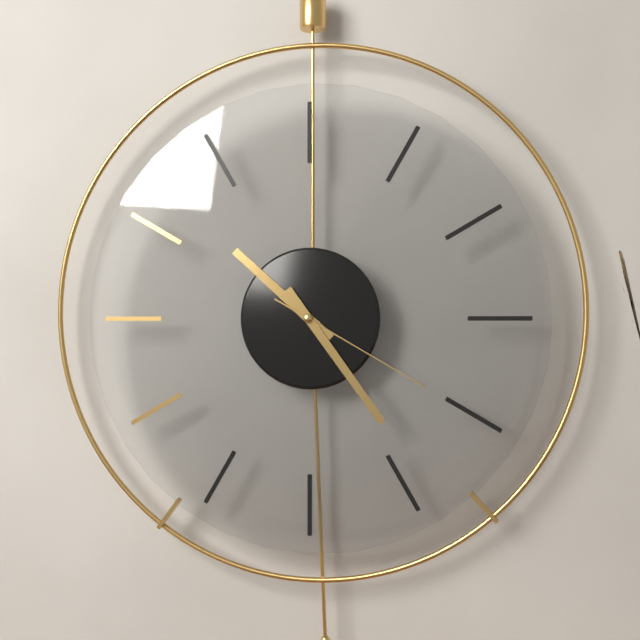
{"hour": 10, "minute": 24, "second": 20}
